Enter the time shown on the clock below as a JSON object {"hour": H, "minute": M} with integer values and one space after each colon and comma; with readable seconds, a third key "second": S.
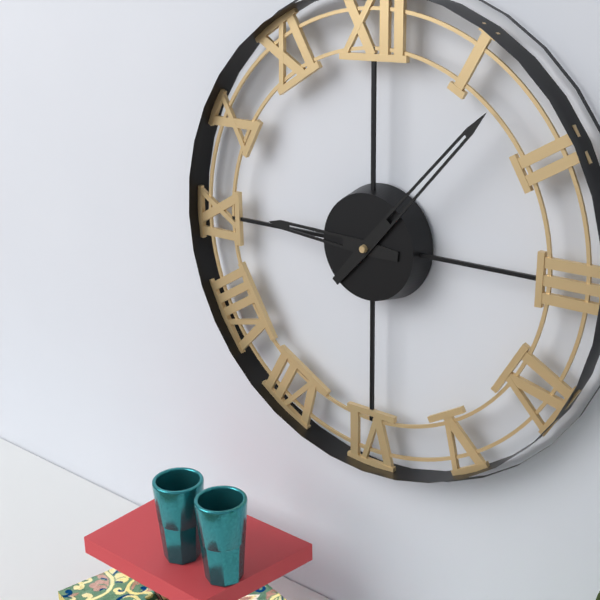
{"hour": 9, "minute": 7}
